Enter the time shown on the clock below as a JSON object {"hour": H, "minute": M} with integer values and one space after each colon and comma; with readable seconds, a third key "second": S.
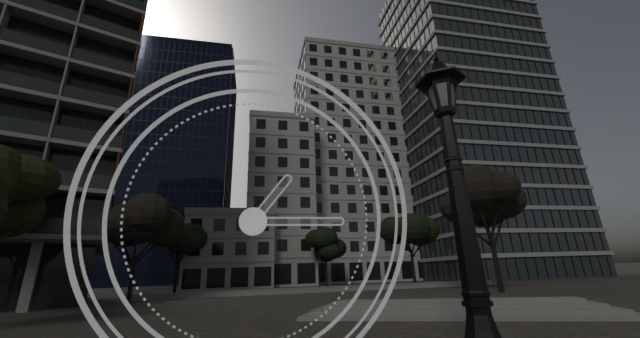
{"hour": 1, "minute": 15}
